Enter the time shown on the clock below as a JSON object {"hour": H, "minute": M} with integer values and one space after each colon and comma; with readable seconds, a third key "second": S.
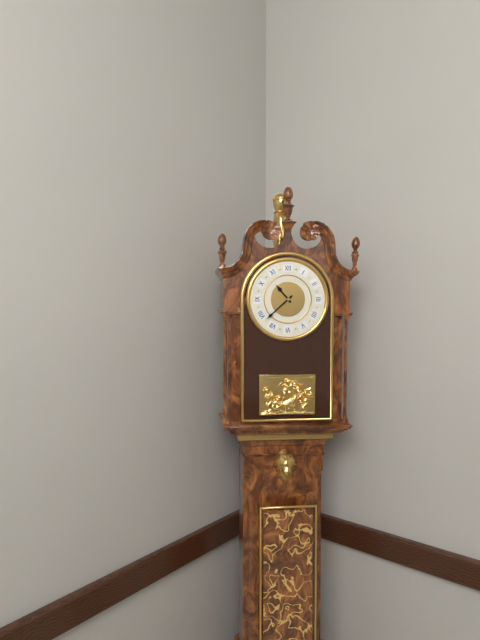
{"hour": 10, "minute": 38}
